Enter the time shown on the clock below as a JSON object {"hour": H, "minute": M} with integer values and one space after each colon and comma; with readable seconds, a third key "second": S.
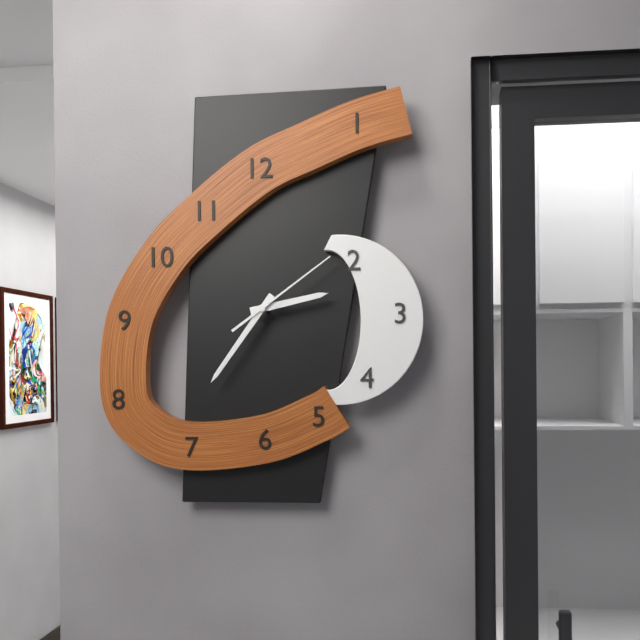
{"hour": 2, "minute": 36, "second": 9}
